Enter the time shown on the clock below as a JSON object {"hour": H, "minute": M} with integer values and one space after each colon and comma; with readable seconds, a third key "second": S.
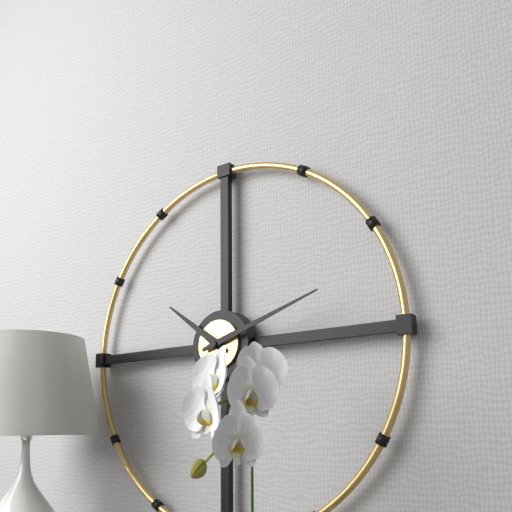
{"hour": 10, "minute": 12}
